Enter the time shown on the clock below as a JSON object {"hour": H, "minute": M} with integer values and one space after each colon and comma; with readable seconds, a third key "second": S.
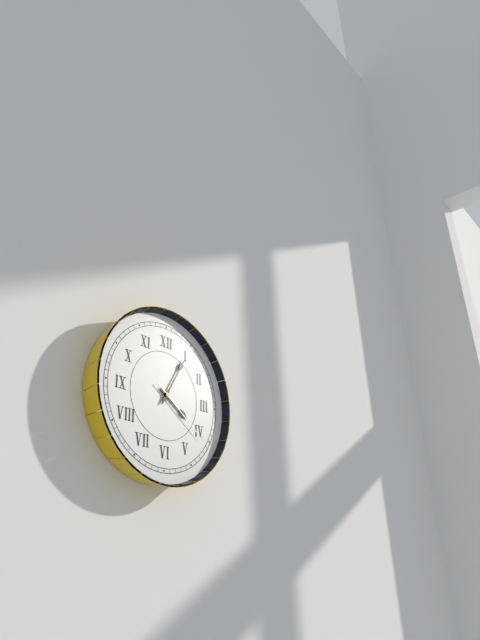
{"hour": 4, "minute": 5, "second": 21}
